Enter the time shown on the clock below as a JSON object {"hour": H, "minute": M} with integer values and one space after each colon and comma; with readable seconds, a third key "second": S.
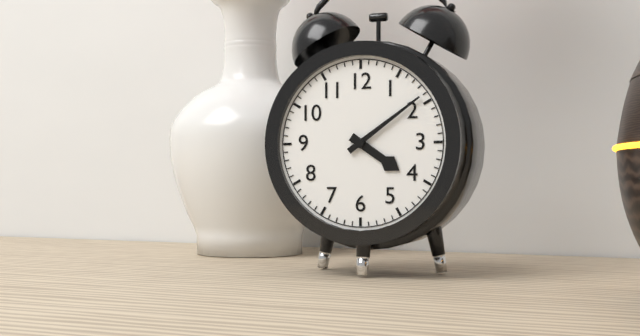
{"hour": 4, "minute": 9}
